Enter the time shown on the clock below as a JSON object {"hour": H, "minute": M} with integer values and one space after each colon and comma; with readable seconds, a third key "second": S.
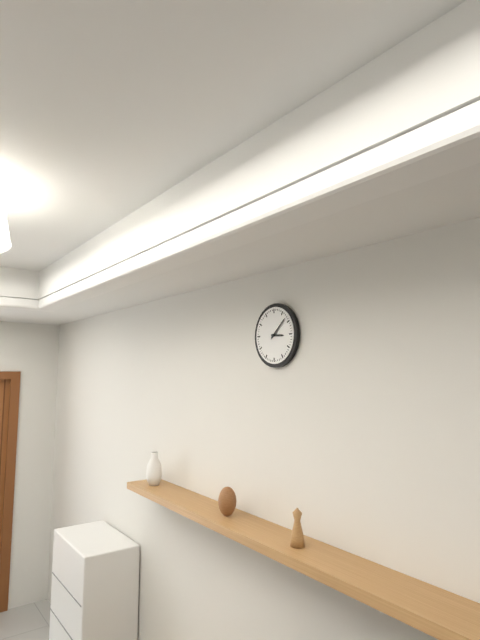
{"hour": 3, "minute": 8}
